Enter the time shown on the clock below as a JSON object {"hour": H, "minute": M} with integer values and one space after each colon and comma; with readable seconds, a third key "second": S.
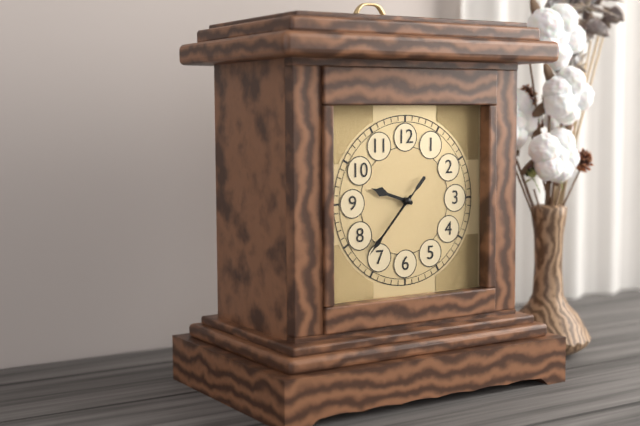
{"hour": 9, "minute": 37, "second": 37}
